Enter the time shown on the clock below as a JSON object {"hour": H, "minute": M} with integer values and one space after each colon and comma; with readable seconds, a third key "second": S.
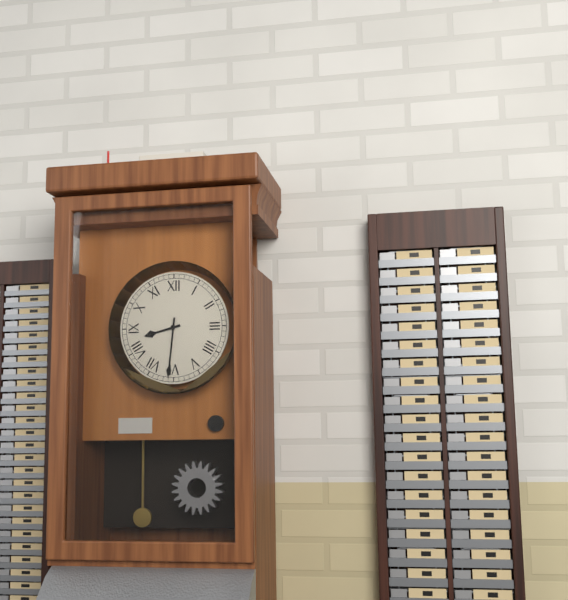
{"hour": 8, "minute": 31}
